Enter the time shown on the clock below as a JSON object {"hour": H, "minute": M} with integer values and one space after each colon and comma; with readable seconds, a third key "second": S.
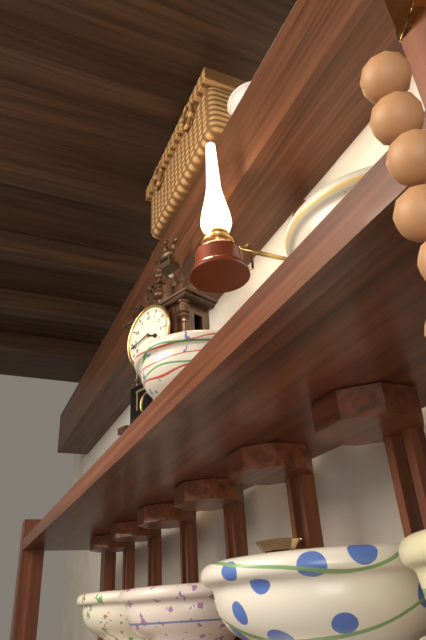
{"hour": 3, "minute": 43}
